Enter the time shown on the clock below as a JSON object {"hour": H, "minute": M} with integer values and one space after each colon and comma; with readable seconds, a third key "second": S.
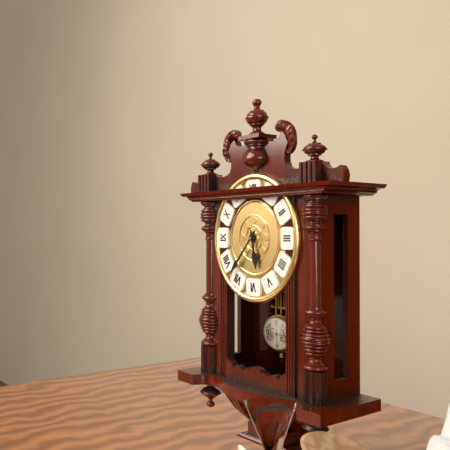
{"hour": 5, "minute": 37}
